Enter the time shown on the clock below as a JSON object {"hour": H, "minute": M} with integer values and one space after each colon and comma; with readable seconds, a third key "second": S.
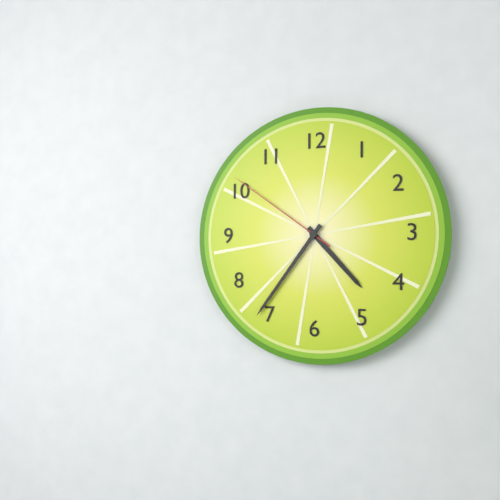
{"hour": 4, "minute": 36, "second": 51}
